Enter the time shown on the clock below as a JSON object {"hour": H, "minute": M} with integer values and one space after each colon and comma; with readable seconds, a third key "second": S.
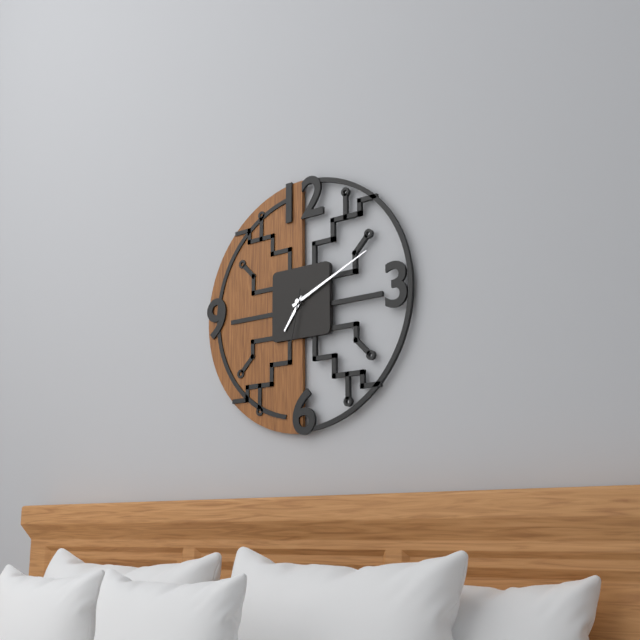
{"hour": 7, "minute": 11, "second": 32}
